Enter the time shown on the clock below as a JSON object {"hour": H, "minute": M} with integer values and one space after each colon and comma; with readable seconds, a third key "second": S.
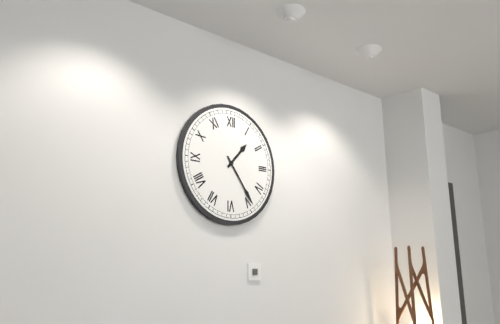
{"hour": 1, "minute": 24}
